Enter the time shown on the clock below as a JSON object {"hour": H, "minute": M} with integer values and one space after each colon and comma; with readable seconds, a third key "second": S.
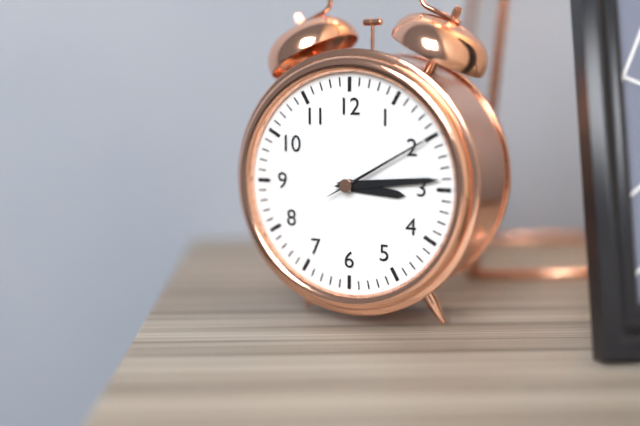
{"hour": 3, "minute": 14, "second": 10}
